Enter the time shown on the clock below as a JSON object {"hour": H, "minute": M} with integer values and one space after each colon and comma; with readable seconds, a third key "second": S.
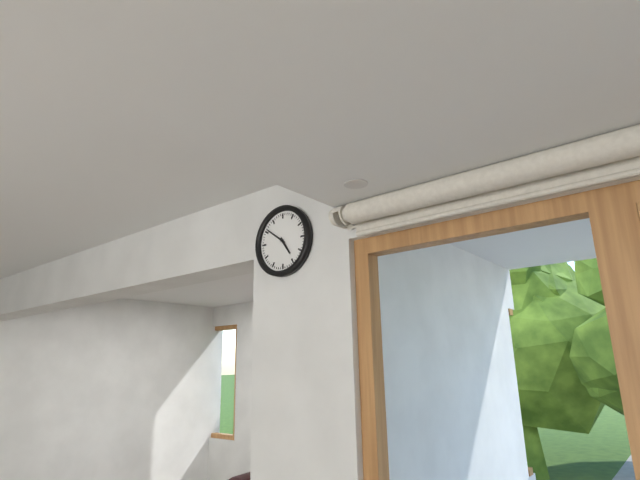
{"hour": 4, "minute": 51}
